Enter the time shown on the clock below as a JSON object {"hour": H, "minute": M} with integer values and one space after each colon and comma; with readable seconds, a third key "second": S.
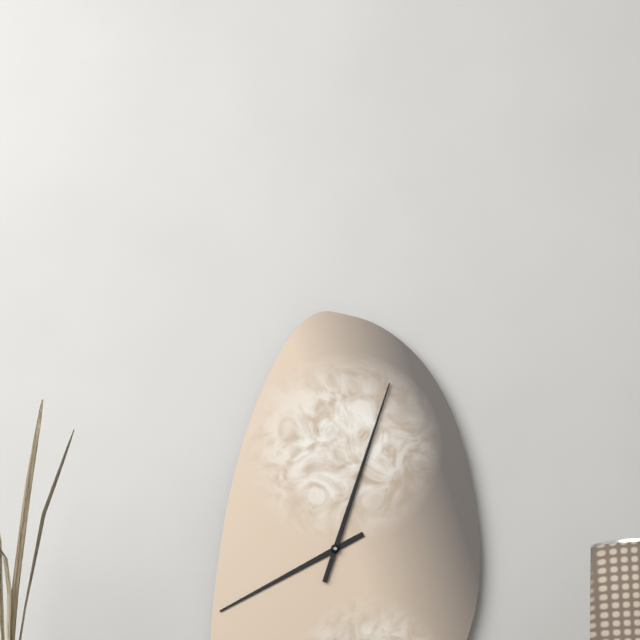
{"hour": 8, "minute": 3}
